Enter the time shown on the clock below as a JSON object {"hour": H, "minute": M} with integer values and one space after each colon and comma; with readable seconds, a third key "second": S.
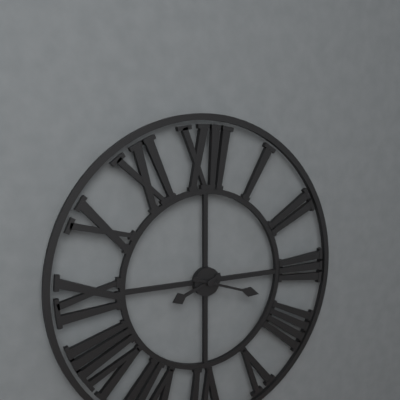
{"hour": 8, "minute": 18}
